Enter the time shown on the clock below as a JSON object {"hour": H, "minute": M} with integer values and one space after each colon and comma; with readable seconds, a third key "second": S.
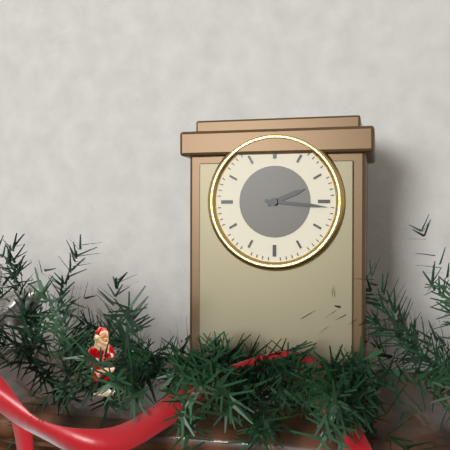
{"hour": 2, "minute": 16}
